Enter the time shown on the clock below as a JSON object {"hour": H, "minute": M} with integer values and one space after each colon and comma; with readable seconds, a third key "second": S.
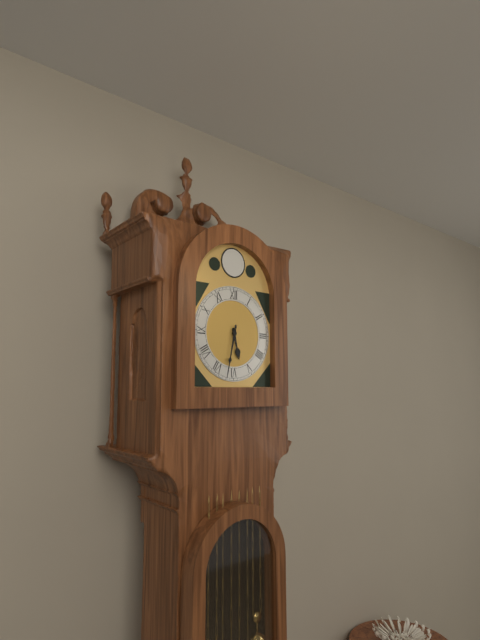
{"hour": 5, "minute": 32}
